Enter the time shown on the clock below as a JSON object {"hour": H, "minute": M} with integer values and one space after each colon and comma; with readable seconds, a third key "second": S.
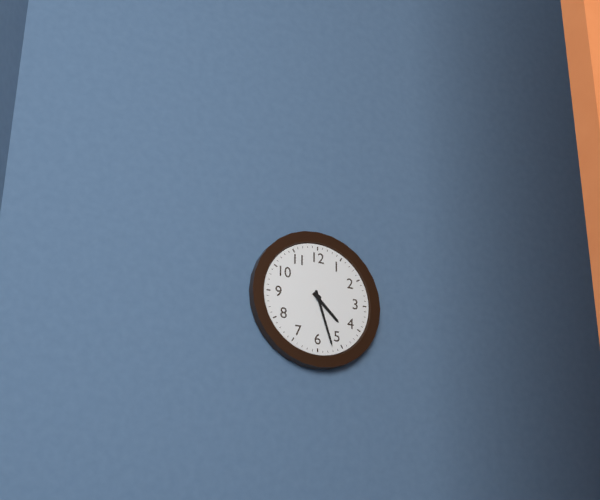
{"hour": 4, "minute": 27}
